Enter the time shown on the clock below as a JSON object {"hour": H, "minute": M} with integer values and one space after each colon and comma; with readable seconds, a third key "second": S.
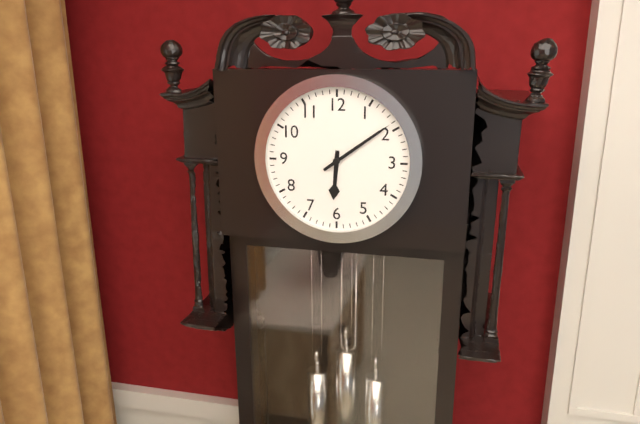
{"hour": 6, "minute": 9}
